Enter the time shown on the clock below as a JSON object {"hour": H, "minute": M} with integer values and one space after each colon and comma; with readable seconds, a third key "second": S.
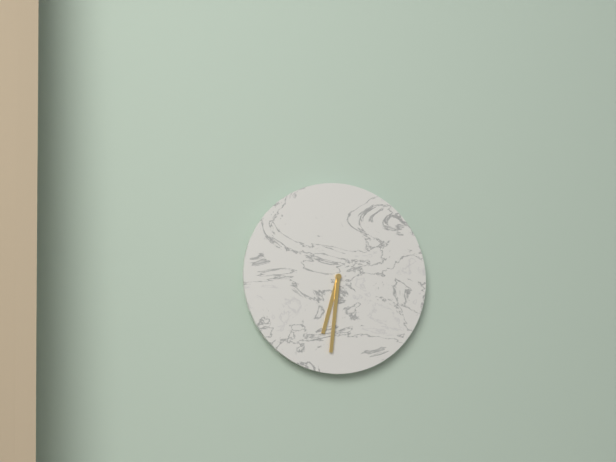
{"hour": 6, "minute": 31}
